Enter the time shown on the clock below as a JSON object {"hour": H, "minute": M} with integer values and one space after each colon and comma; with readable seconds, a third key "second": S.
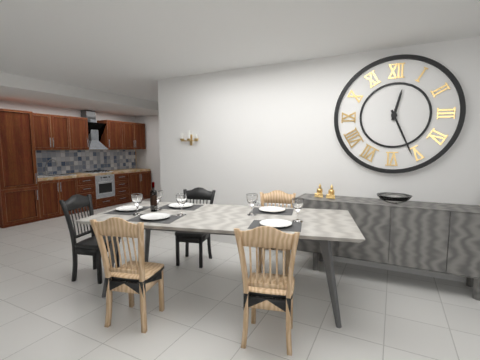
{"hour": 12, "minute": 26}
